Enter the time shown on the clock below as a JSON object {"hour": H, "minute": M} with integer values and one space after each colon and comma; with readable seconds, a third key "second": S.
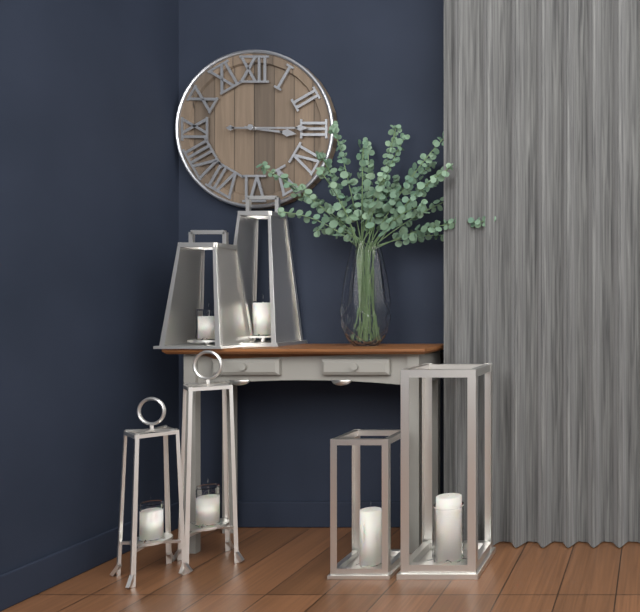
{"hour": 3, "minute": 15}
